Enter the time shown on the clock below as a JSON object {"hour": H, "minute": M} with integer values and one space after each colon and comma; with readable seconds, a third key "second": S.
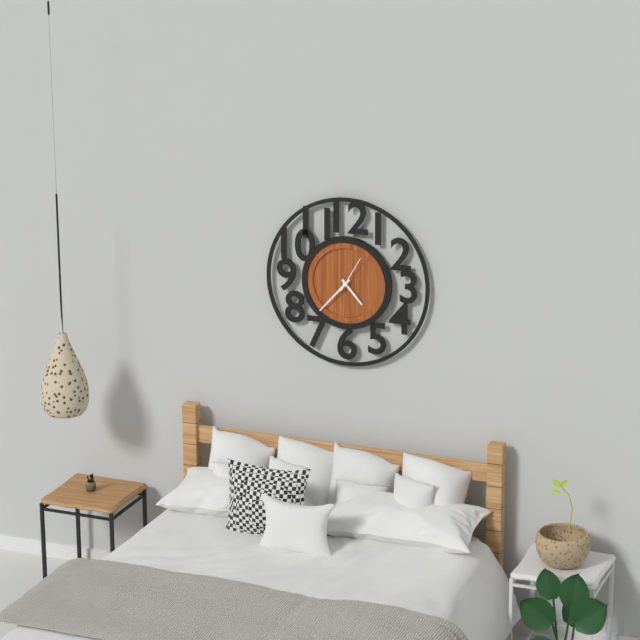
{"hour": 4, "minute": 37}
